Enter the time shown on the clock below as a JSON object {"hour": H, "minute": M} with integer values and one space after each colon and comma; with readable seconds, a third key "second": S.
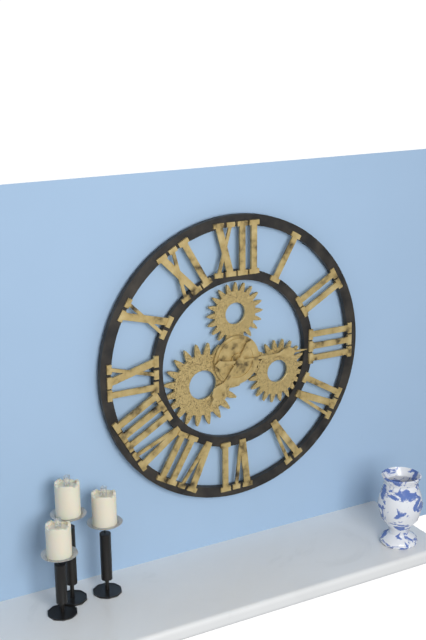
{"hour": 7, "minute": 15}
